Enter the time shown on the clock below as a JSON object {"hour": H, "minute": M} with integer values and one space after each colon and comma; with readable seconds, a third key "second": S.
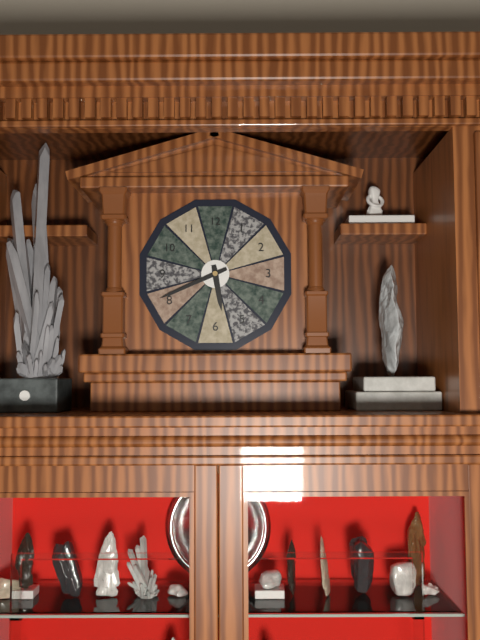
{"hour": 5, "minute": 41}
